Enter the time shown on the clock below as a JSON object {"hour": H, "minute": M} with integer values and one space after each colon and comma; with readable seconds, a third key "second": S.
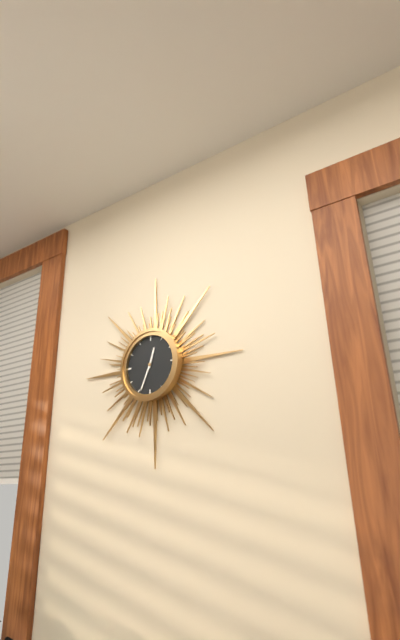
{"hour": 12, "minute": 34}
